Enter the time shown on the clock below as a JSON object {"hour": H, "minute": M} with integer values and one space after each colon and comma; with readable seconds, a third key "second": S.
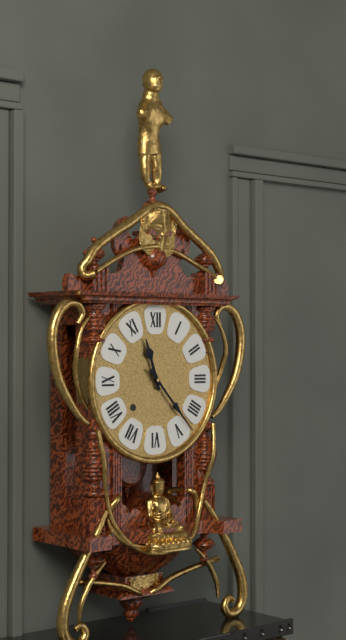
{"hour": 11, "minute": 23}
